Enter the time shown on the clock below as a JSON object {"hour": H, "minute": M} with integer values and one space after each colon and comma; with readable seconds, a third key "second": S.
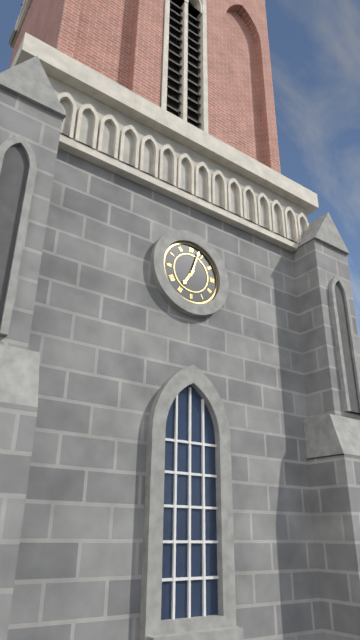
{"hour": 7, "minute": 3}
